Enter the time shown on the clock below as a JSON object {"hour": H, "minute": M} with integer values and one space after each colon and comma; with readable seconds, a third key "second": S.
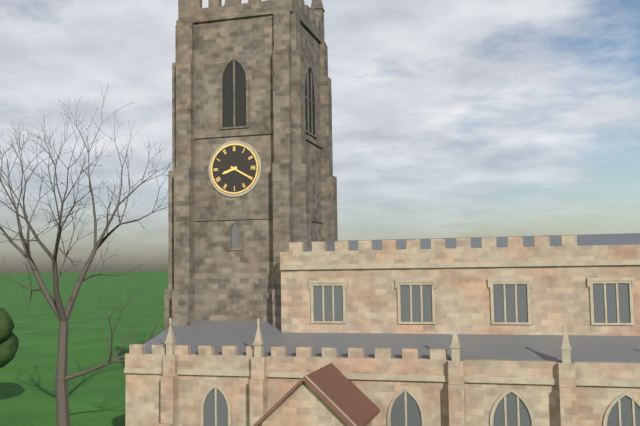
{"hour": 8, "minute": 20}
